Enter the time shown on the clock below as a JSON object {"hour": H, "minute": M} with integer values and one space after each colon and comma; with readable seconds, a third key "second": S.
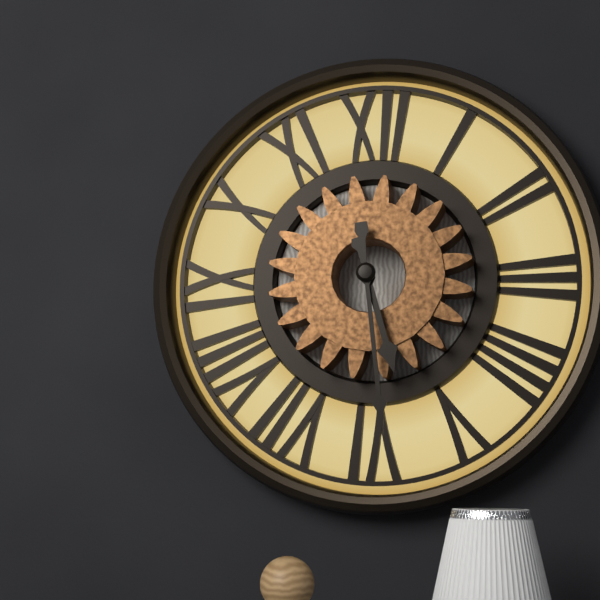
{"hour": 5, "minute": 29}
